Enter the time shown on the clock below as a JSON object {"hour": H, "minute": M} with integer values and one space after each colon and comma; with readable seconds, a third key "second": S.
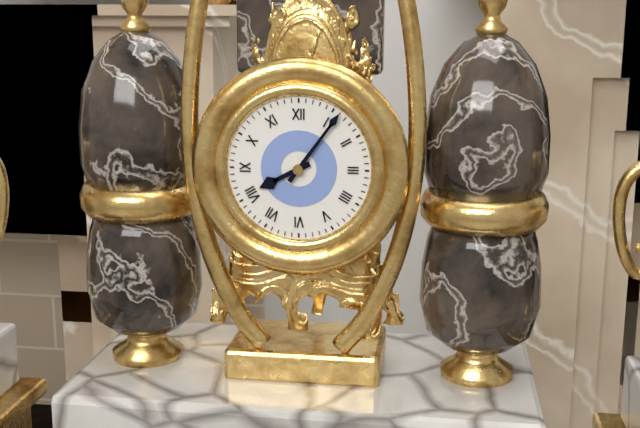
{"hour": 8, "minute": 6}
